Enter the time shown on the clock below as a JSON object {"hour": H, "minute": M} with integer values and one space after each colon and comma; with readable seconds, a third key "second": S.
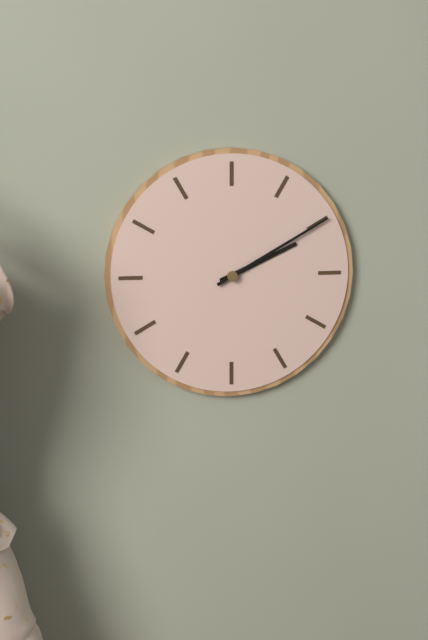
{"hour": 2, "minute": 10}
